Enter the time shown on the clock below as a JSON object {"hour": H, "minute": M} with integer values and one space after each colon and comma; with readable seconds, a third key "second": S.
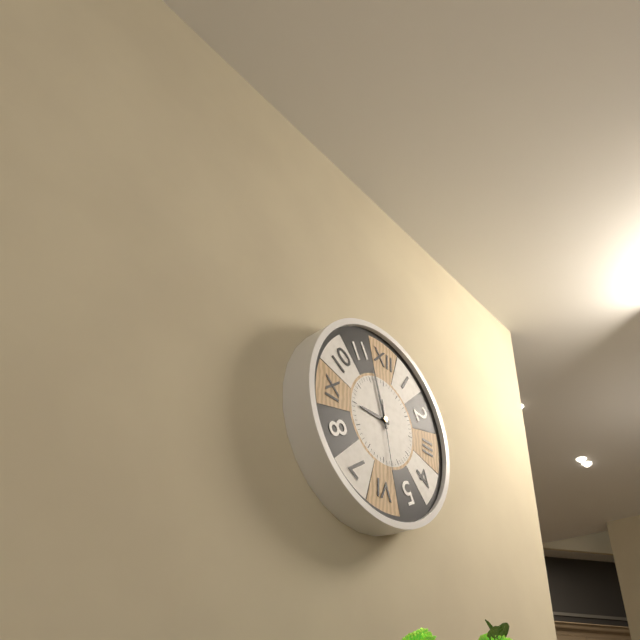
{"hour": 8, "minute": 57, "second": 28}
